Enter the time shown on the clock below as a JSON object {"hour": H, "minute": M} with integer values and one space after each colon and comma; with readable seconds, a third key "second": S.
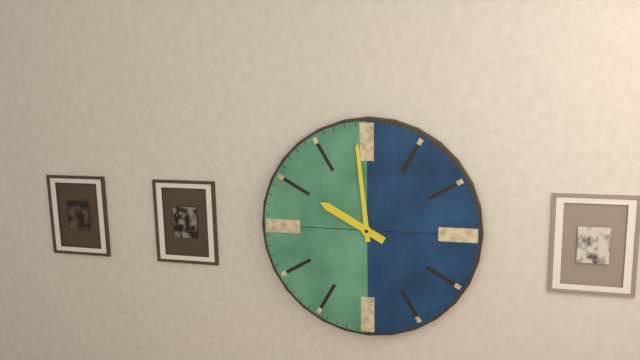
{"hour": 9, "minute": 59}
